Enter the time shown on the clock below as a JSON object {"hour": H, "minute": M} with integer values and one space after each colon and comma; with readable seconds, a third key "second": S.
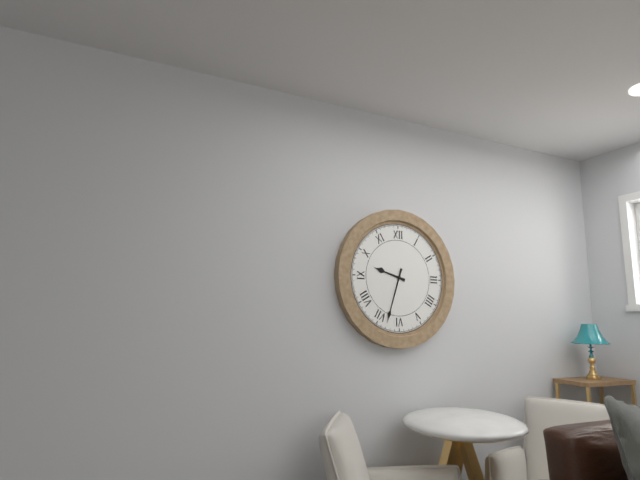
{"hour": 9, "minute": 33}
